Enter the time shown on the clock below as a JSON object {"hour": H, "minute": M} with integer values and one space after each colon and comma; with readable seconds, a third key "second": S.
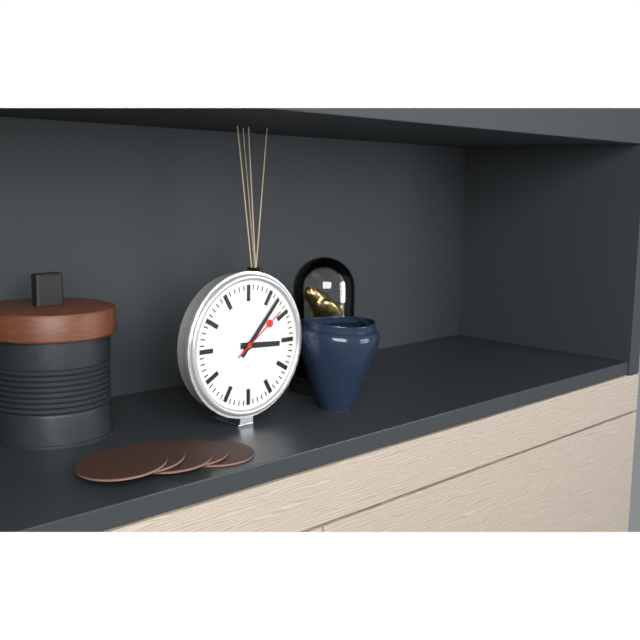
{"hour": 3, "minute": 7, "second": 9}
